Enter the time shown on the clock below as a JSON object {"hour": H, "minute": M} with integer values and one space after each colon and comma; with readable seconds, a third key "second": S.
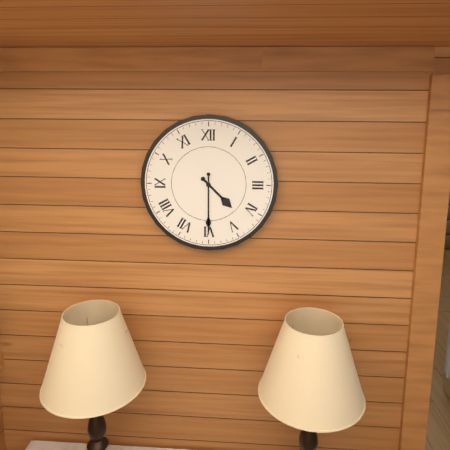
{"hour": 4, "minute": 30}
